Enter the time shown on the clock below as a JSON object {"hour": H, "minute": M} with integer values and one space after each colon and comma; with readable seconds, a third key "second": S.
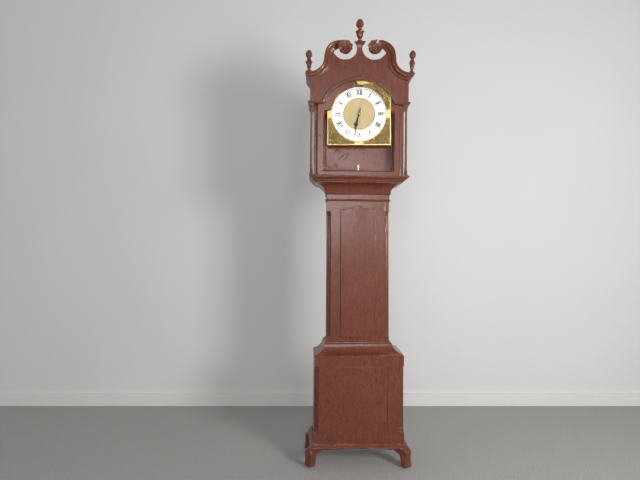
{"hour": 6, "minute": 32}
